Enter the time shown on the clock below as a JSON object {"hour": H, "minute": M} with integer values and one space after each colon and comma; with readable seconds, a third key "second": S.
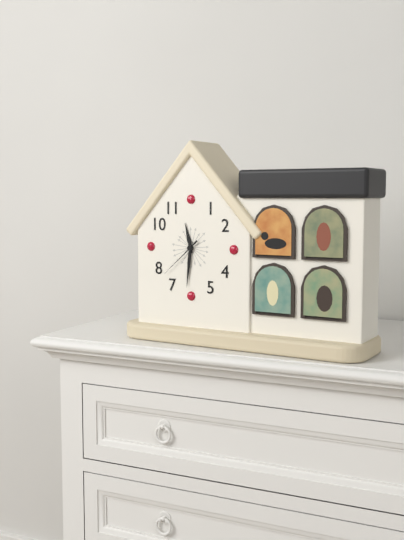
{"hour": 11, "minute": 31, "second": 38}
